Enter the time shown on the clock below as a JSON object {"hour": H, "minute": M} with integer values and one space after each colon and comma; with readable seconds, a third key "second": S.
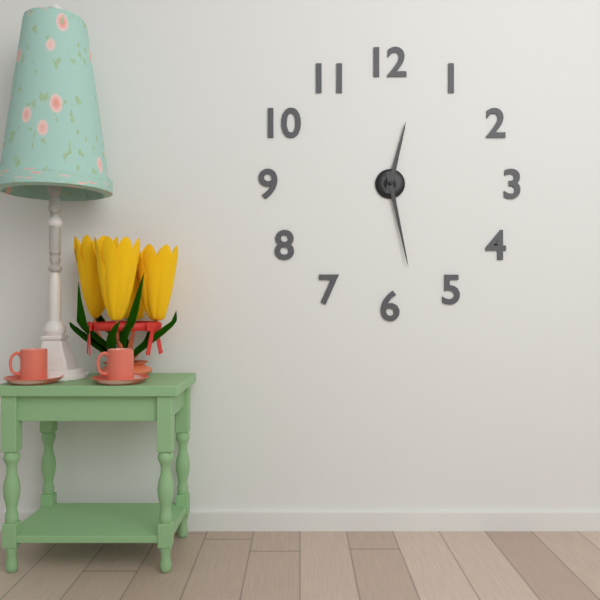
{"hour": 12, "minute": 28}
